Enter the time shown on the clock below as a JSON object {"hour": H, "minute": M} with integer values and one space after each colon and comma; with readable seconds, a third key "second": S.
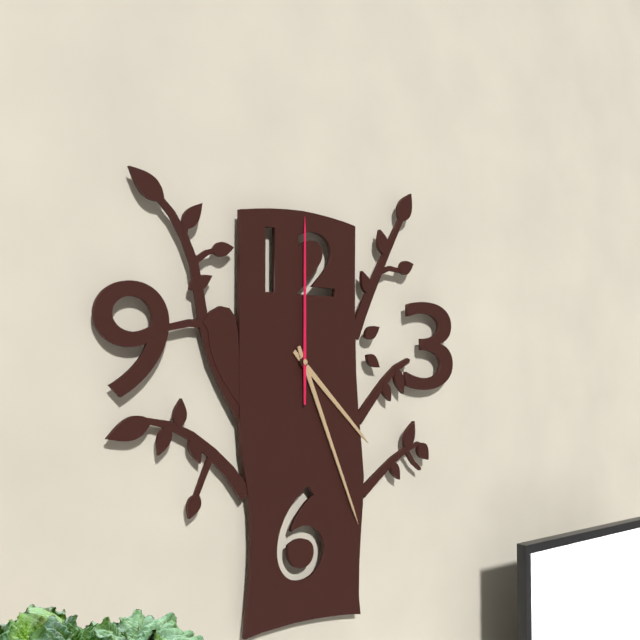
{"hour": 4, "minute": 26, "second": 0}
